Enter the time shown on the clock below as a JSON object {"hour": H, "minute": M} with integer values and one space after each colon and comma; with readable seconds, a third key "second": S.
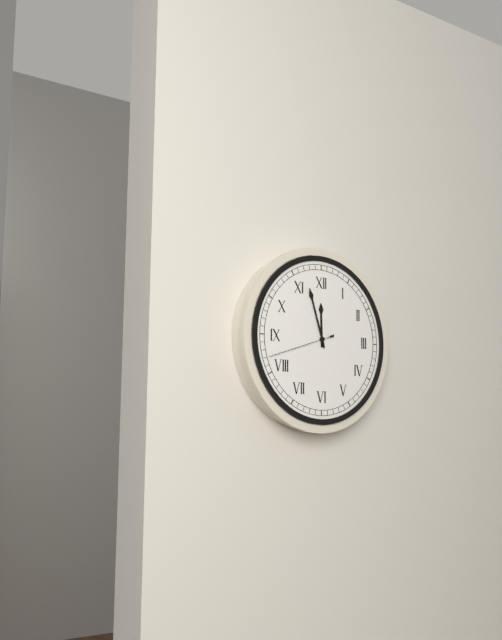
{"hour": 11, "minute": 57, "second": 42}
